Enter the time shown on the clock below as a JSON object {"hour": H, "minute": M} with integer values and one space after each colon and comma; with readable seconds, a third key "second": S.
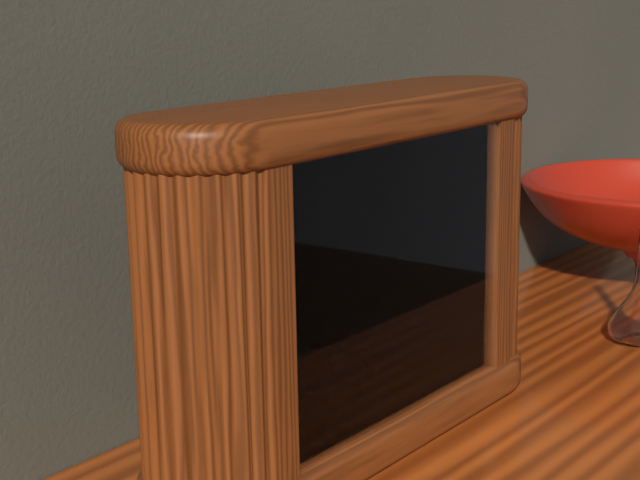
{"hour": 1, "minute": 34}
